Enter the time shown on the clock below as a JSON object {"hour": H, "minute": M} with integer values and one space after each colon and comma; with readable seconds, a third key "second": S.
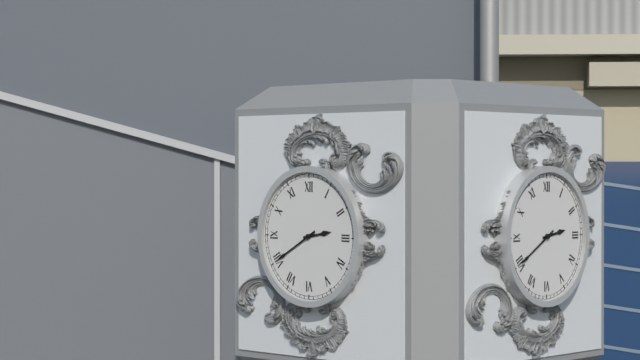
{"hour": 2, "minute": 40}
